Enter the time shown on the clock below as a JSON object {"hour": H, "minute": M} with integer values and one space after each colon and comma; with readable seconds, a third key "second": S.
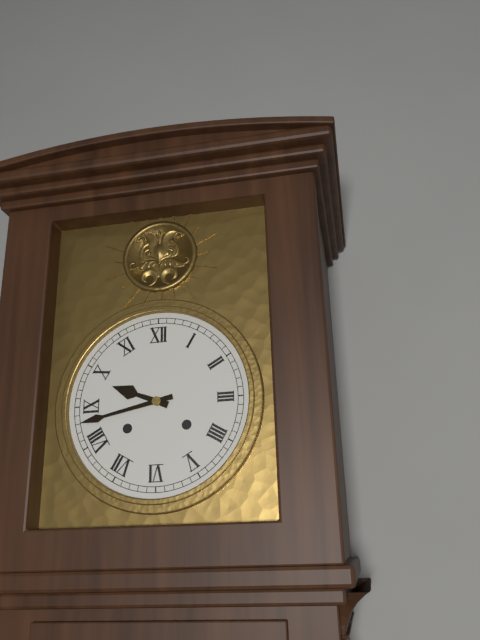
{"hour": 9, "minute": 43}
